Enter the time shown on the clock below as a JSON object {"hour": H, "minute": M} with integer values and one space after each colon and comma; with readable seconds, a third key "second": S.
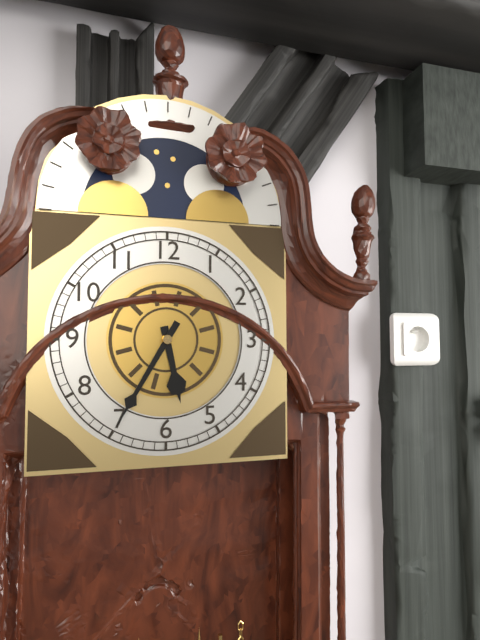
{"hour": 5, "minute": 35}
